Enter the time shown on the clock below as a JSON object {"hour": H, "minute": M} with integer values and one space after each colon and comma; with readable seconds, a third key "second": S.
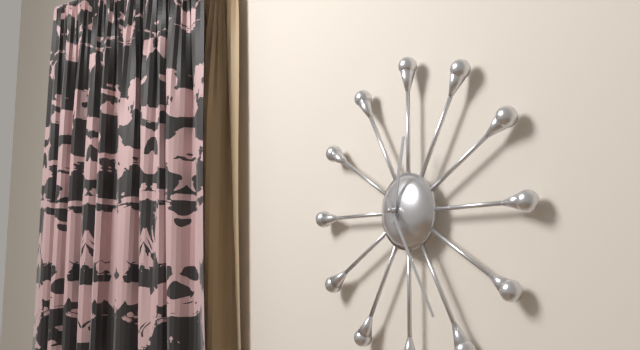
{"hour": 12, "minute": 25}
